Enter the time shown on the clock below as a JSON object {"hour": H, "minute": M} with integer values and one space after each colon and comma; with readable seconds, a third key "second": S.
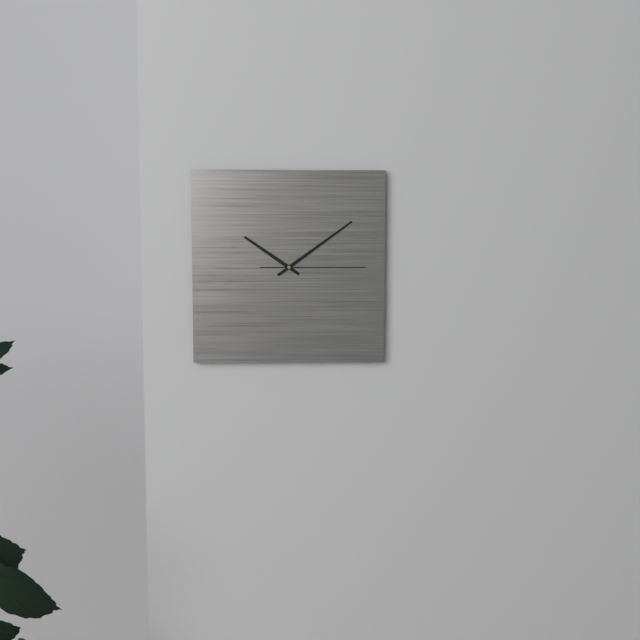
{"hour": 10, "minute": 9, "second": 15}
